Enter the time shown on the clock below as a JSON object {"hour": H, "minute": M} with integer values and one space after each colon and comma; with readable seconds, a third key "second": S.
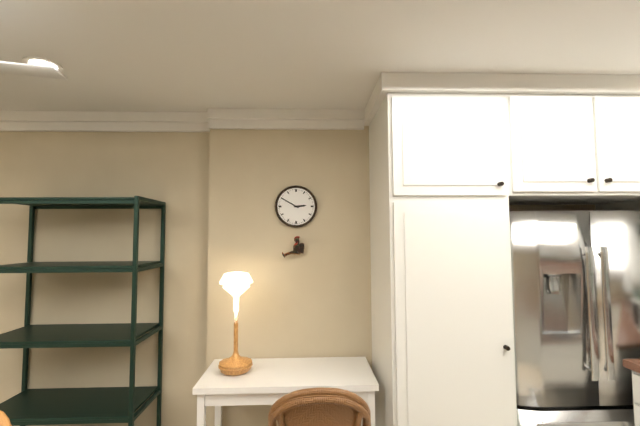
{"hour": 2, "minute": 50}
